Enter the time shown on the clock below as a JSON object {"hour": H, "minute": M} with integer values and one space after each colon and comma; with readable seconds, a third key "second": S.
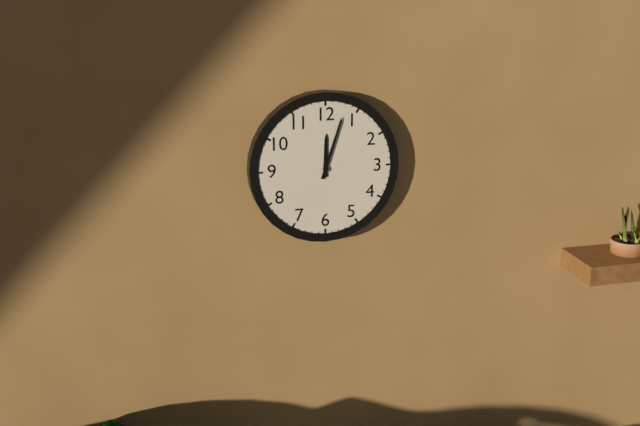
{"hour": 12, "minute": 3}
